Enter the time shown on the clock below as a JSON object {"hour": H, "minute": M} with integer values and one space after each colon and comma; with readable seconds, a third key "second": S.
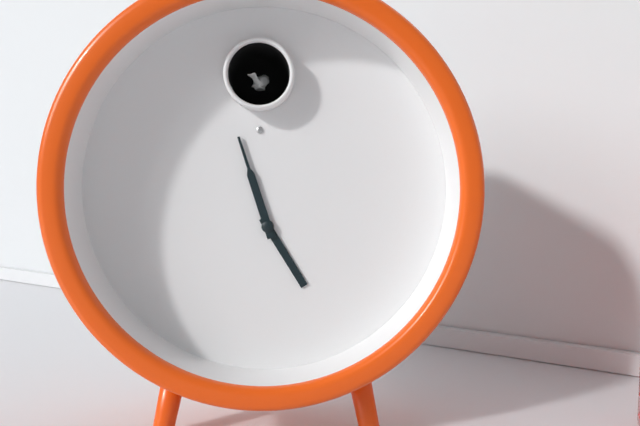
{"hour": 4, "minute": 57}
